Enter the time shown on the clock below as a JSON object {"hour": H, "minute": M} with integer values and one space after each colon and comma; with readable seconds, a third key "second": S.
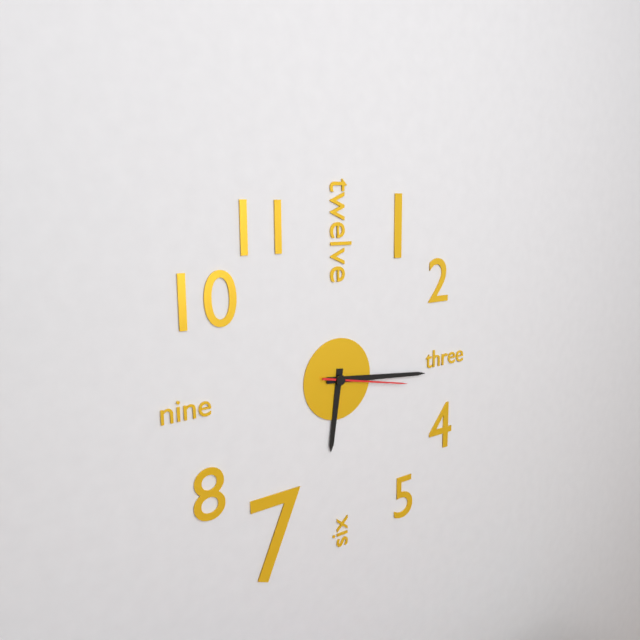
{"hour": 6, "minute": 16, "second": 17}
